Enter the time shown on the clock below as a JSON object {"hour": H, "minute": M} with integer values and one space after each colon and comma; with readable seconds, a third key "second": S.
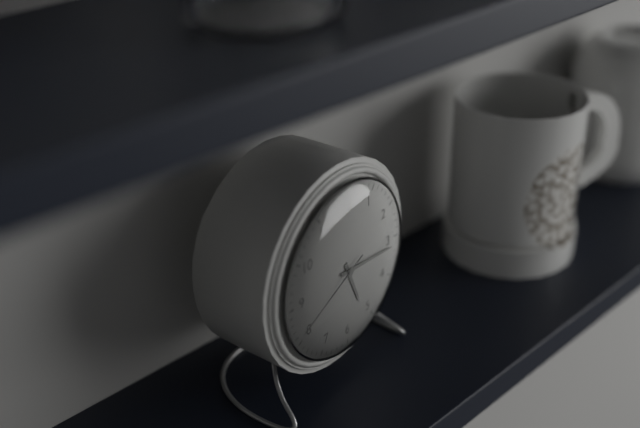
{"hour": 5, "minute": 16, "second": 41}
